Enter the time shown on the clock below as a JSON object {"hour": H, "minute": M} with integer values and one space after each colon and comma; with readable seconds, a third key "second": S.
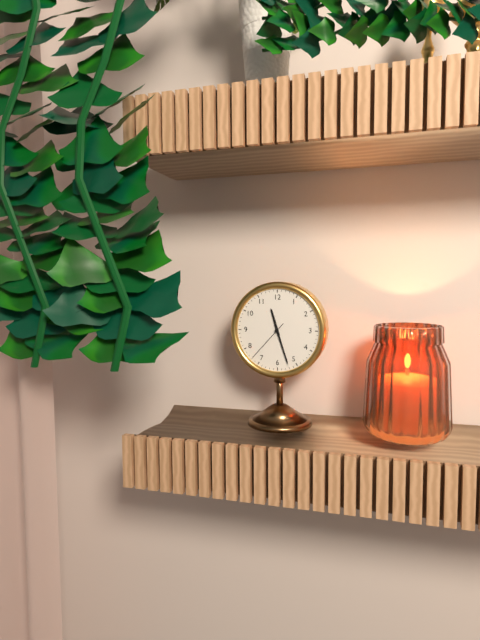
{"hour": 11, "minute": 27}
